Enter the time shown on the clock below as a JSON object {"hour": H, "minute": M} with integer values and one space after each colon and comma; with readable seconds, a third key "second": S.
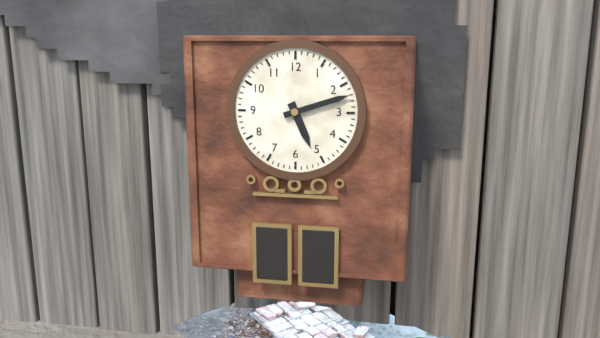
{"hour": 5, "minute": 12}
